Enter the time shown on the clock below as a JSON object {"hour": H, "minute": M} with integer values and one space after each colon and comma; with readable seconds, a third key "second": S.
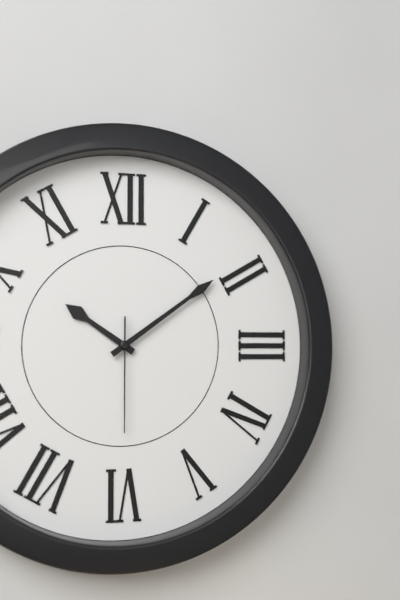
{"hour": 10, "minute": 9, "second": 30}
